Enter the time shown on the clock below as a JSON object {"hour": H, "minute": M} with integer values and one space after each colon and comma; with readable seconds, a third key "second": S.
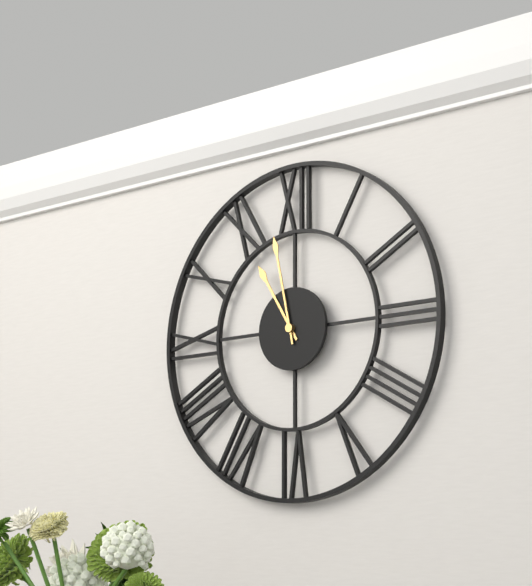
{"hour": 10, "minute": 58}
